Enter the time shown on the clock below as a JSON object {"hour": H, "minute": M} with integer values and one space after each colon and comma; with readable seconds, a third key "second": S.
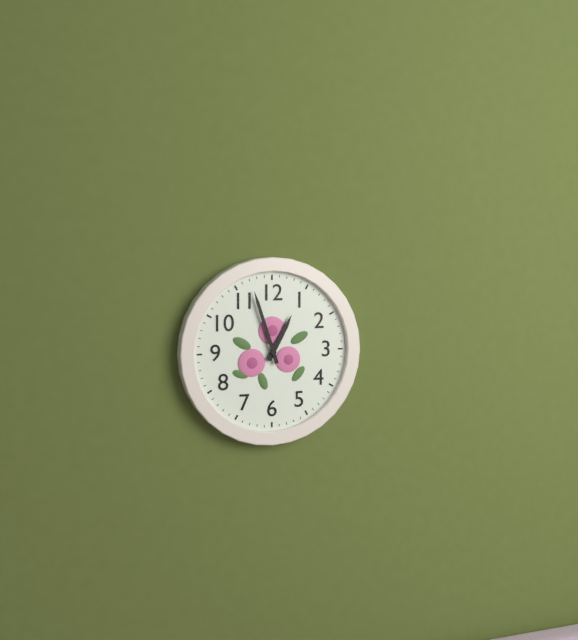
{"hour": 12, "minute": 57}
